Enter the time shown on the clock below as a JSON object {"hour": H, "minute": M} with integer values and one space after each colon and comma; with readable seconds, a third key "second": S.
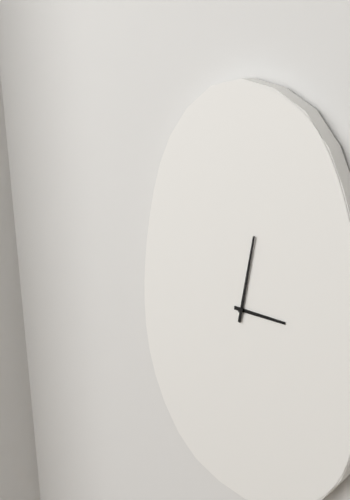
{"hour": 3, "minute": 2}
